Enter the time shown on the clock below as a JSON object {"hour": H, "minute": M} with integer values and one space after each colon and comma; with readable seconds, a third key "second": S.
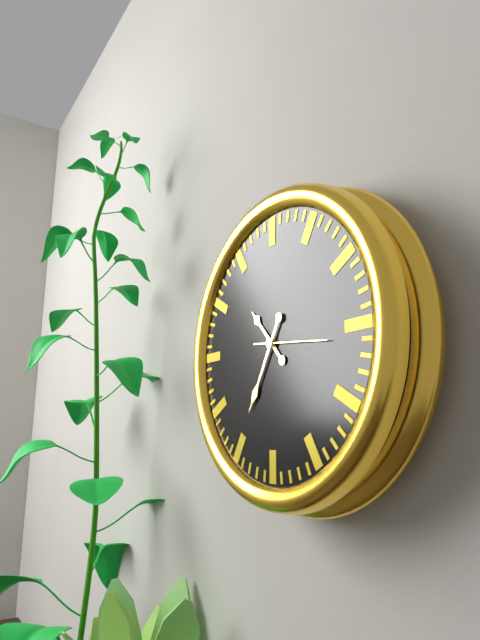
{"hour": 10, "minute": 35, "second": 16}
